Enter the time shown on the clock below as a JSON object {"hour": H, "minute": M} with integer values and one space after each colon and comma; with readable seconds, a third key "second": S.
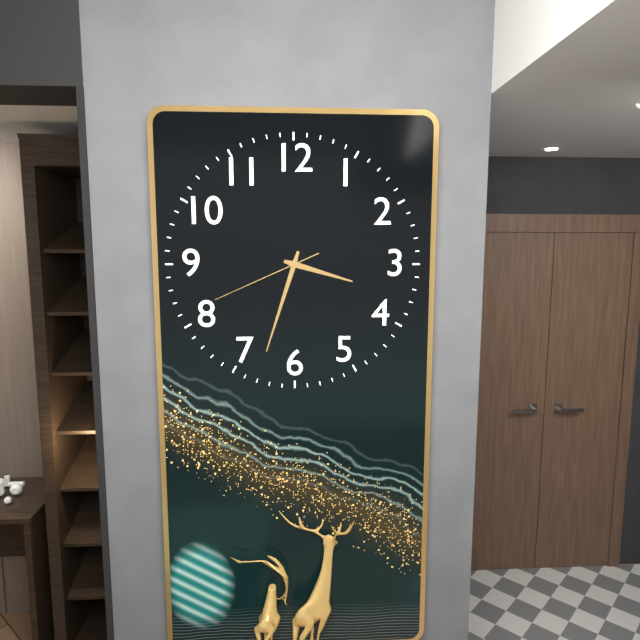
{"hour": 3, "minute": 33, "second": 41}
